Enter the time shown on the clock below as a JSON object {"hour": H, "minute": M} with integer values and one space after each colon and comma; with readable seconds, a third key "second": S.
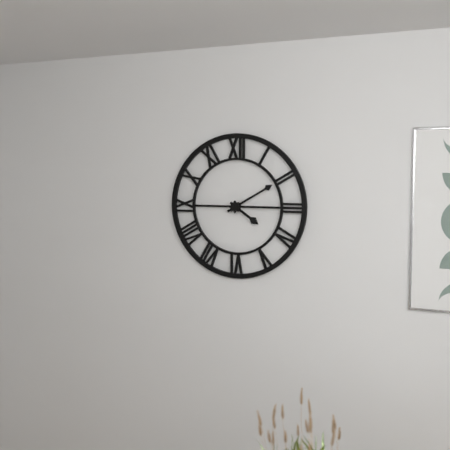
{"hour": 4, "minute": 10}
